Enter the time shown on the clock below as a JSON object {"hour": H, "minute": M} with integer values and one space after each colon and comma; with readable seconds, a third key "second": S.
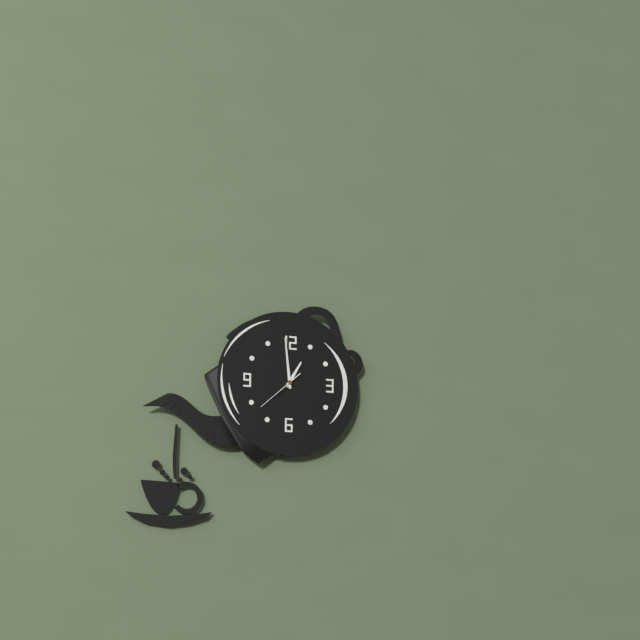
{"hour": 12, "minute": 59}
